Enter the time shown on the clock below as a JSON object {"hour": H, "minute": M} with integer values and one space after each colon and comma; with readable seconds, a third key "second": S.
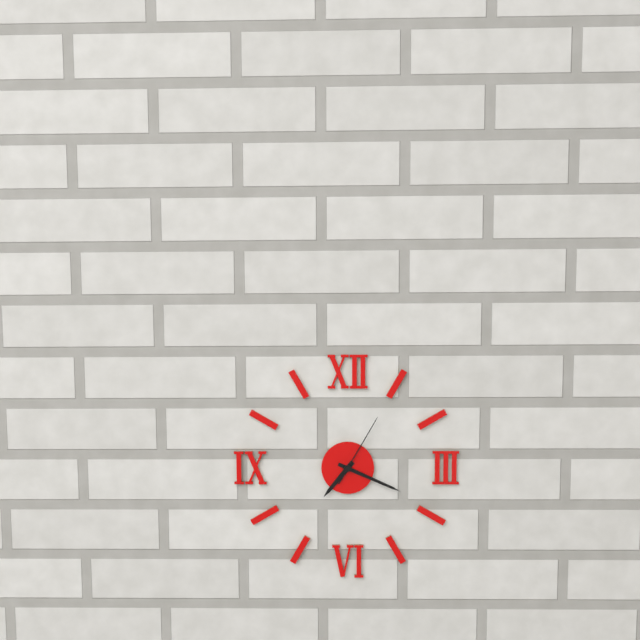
{"hour": 7, "minute": 19, "second": 5}
